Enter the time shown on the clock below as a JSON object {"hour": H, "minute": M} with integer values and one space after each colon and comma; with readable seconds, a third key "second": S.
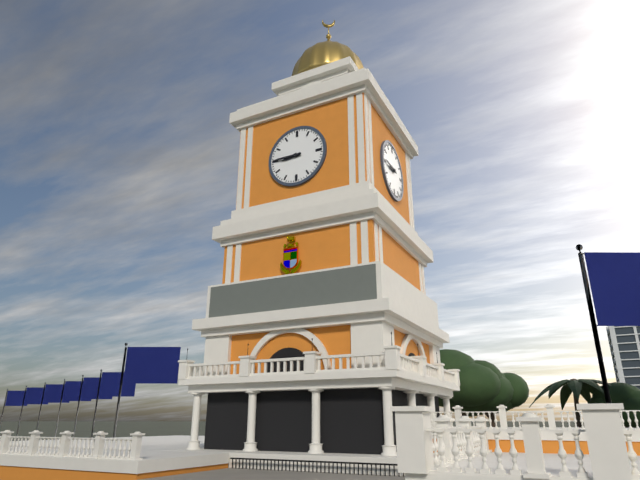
{"hour": 8, "minute": 45}
